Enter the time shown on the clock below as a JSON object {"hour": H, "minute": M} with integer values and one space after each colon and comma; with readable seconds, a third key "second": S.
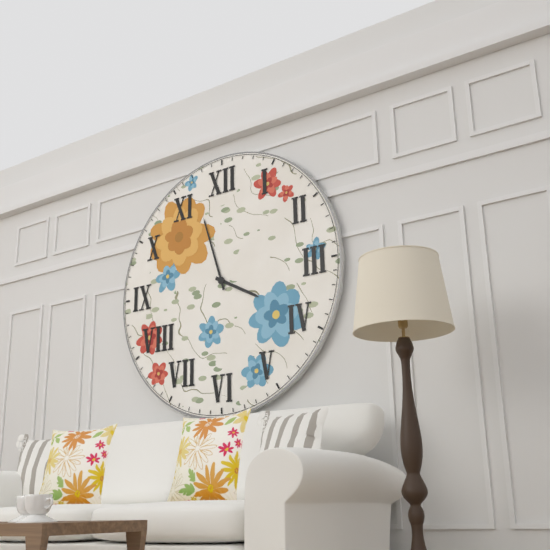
{"hour": 3, "minute": 57}
